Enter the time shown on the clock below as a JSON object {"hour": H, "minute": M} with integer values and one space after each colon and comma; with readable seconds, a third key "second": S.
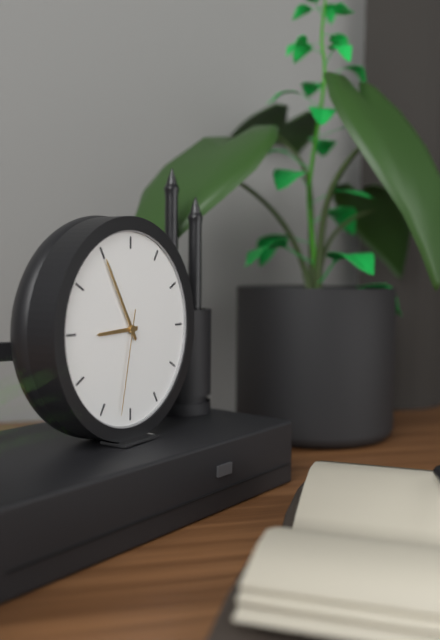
{"hour": 8, "minute": 55, "second": 32}
